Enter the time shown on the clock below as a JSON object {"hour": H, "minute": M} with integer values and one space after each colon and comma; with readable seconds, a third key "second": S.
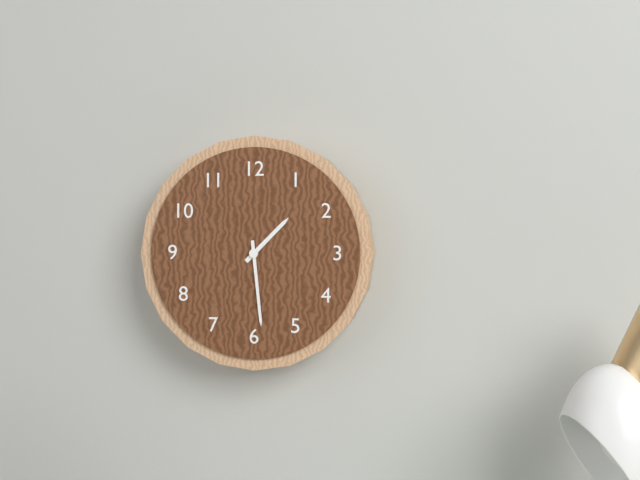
{"hour": 1, "minute": 29}
